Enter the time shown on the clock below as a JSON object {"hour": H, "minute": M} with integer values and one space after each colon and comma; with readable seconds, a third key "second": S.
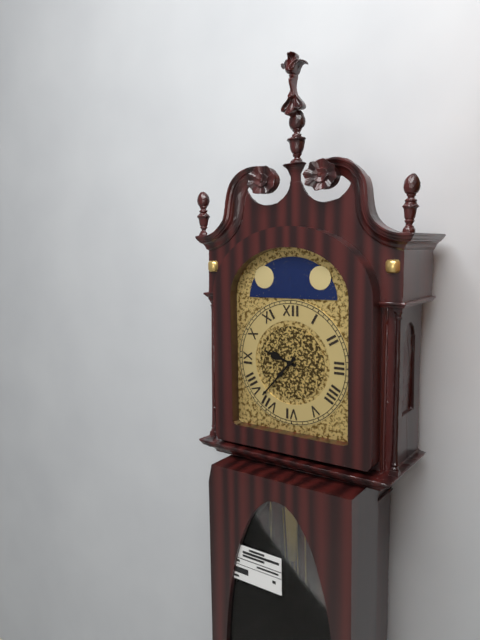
{"hour": 9, "minute": 37}
